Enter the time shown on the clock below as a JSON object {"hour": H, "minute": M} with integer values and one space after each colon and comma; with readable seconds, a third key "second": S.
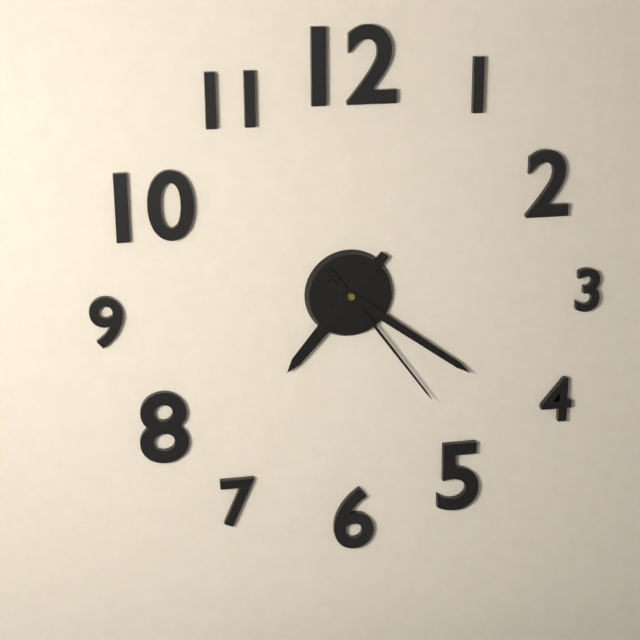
{"hour": 7, "minute": 21, "second": 24}
